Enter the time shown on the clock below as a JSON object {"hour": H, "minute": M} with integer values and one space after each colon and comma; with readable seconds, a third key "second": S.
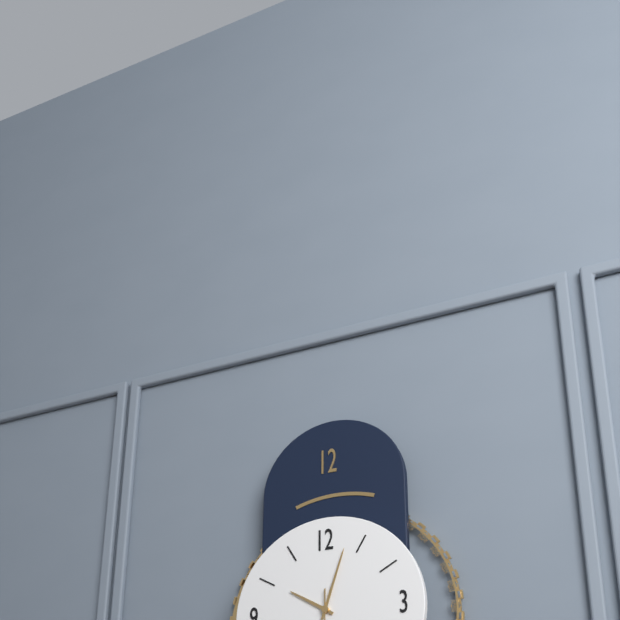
{"hour": 10, "minute": 3}
